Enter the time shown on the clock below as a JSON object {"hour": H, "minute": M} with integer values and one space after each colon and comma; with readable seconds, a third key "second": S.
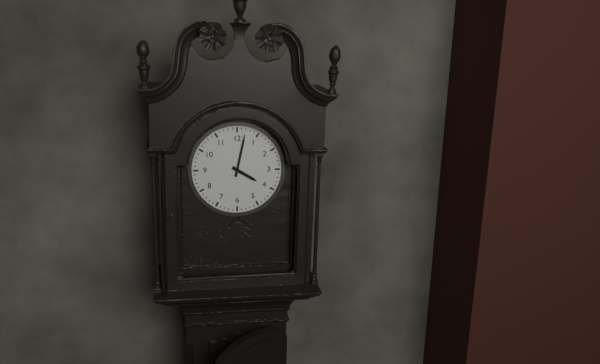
{"hour": 4, "minute": 2}
